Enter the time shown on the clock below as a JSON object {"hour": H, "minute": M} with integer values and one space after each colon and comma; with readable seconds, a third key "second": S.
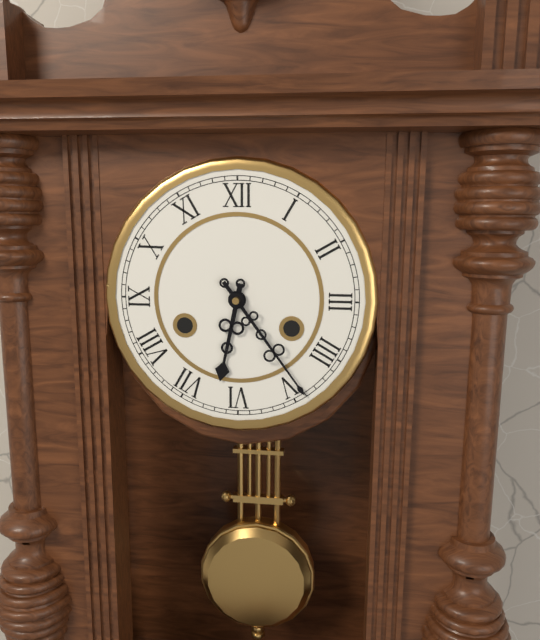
{"hour": 6, "minute": 24}
